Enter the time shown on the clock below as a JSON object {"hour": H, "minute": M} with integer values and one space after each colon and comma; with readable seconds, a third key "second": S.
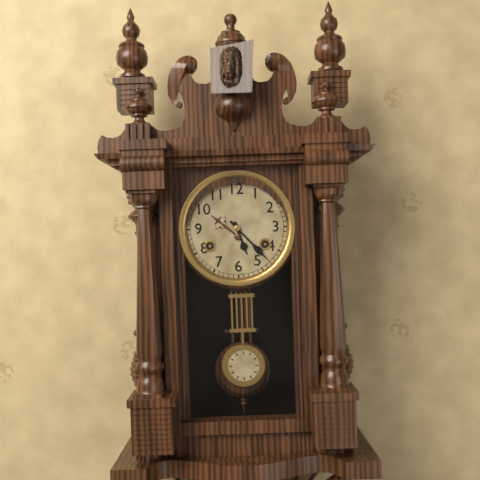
{"hour": 5, "minute": 23}
